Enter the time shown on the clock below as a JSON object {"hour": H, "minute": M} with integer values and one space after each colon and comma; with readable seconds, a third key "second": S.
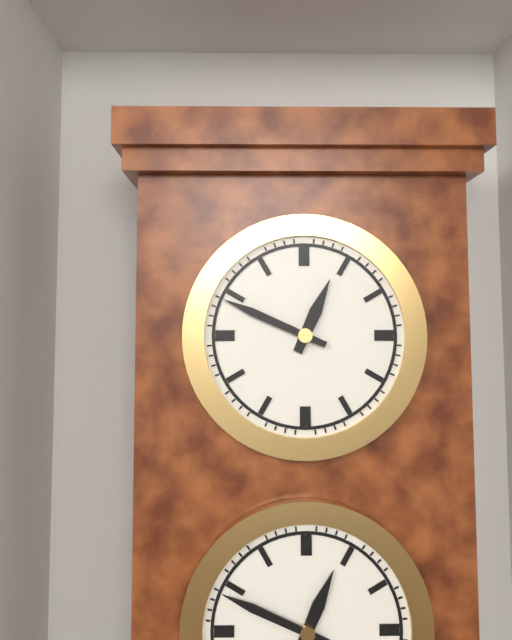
{"hour": 12, "minute": 49}
